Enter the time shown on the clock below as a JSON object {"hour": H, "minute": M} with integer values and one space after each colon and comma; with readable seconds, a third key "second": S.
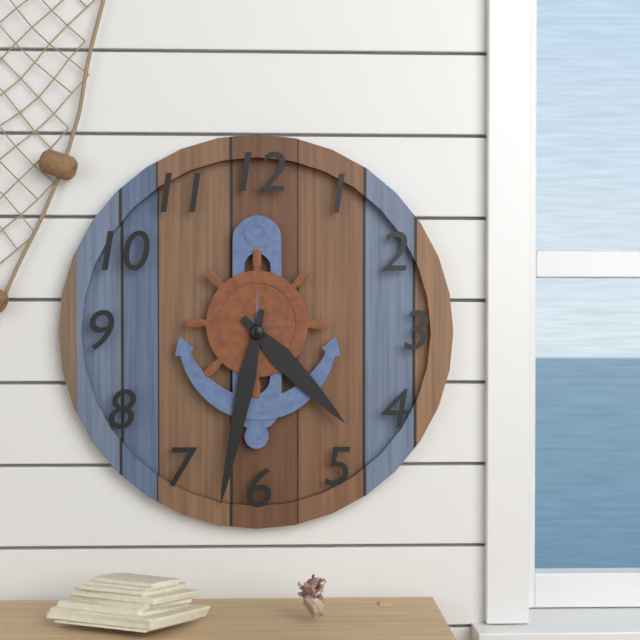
{"hour": 4, "minute": 32}
